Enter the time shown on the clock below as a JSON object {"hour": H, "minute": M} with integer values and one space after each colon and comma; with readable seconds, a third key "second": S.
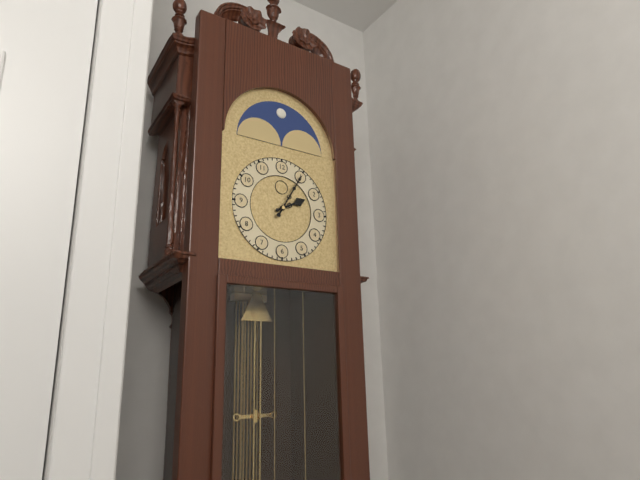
{"hour": 2, "minute": 5}
